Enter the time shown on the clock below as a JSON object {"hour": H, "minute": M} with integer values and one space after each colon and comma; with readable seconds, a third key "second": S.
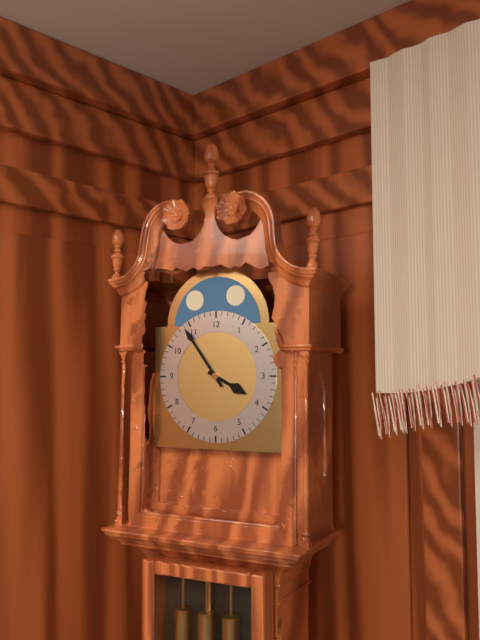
{"hour": 3, "minute": 54}
